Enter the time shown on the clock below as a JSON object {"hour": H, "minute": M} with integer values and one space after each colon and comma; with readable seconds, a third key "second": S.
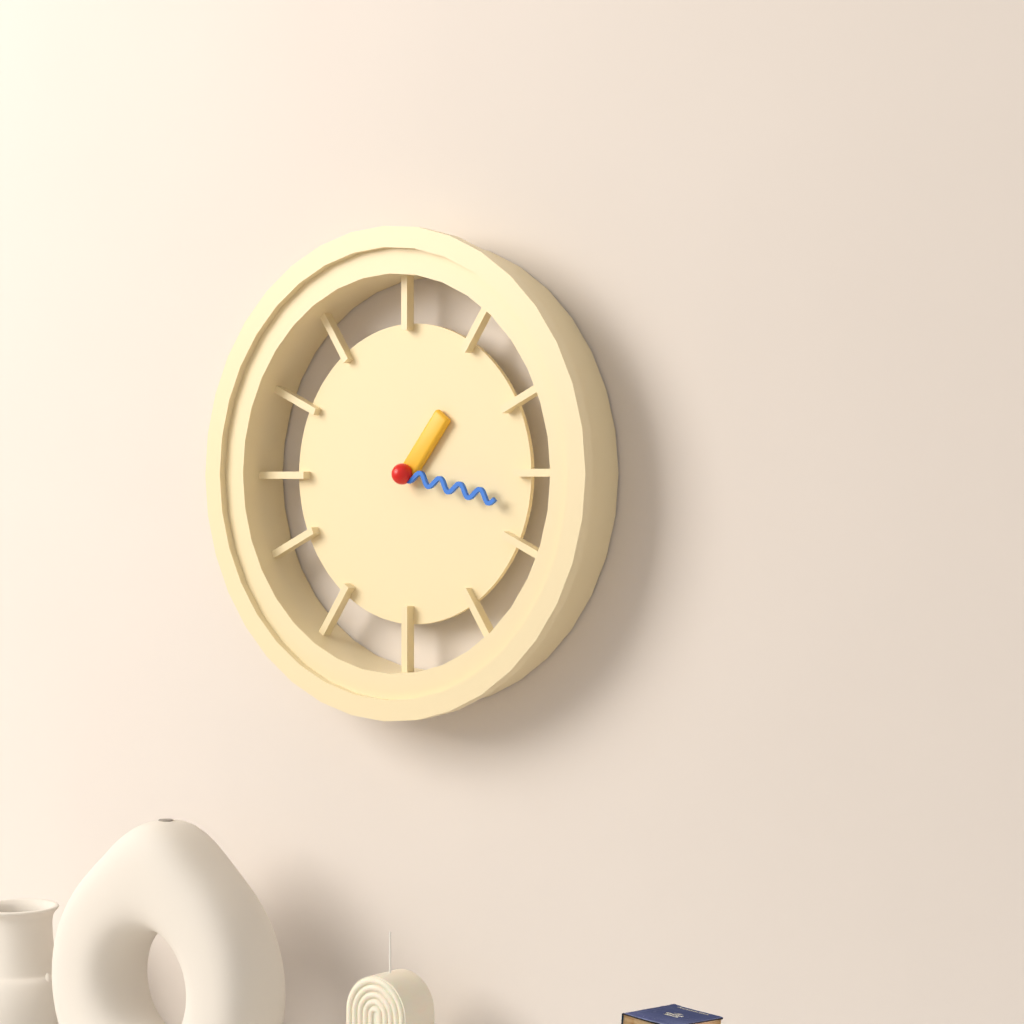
{"hour": 1, "minute": 17}
